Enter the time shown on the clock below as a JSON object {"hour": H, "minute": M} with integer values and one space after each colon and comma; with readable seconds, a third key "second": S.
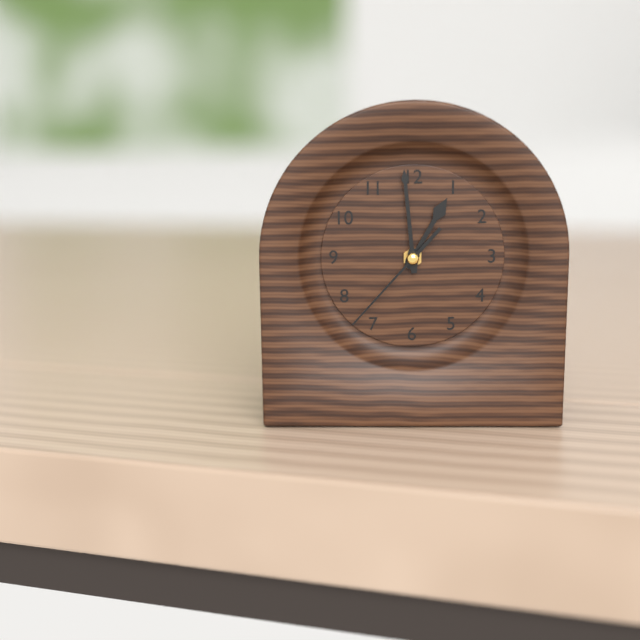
{"hour": 12, "minute": 59, "second": 37}
